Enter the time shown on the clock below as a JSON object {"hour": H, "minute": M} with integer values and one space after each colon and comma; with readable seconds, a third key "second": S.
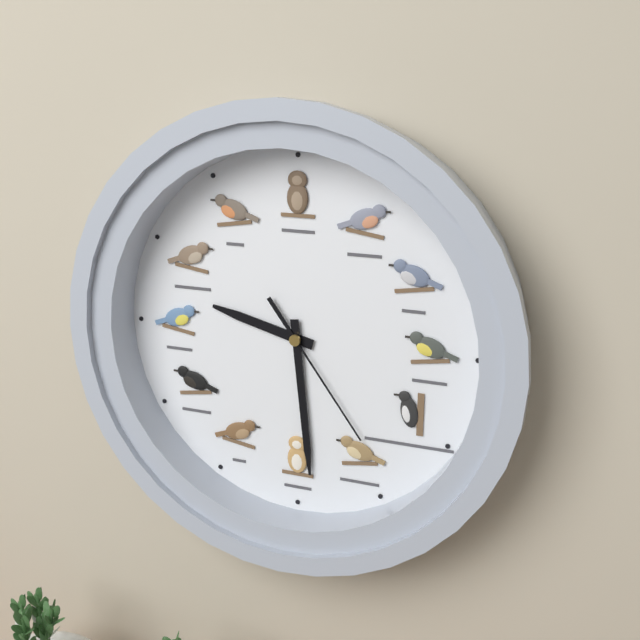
{"hour": 9, "minute": 29, "second": 24}
